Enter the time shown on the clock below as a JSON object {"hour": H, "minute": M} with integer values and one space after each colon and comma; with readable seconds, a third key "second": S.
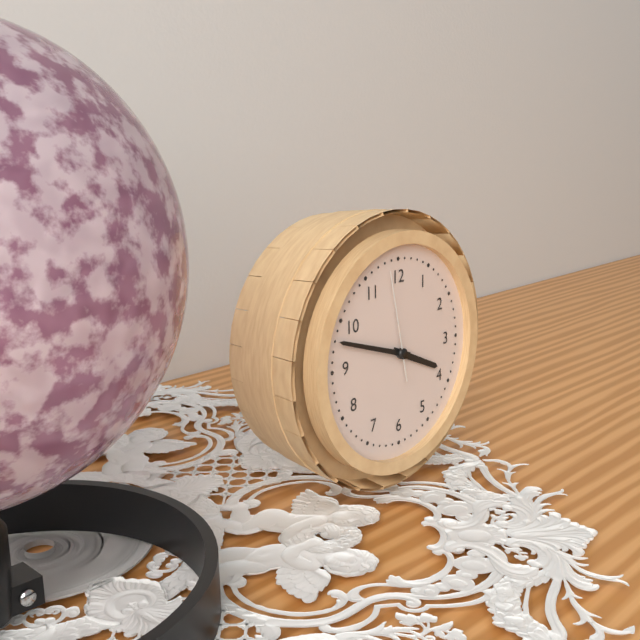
{"hour": 3, "minute": 48, "second": 58}
